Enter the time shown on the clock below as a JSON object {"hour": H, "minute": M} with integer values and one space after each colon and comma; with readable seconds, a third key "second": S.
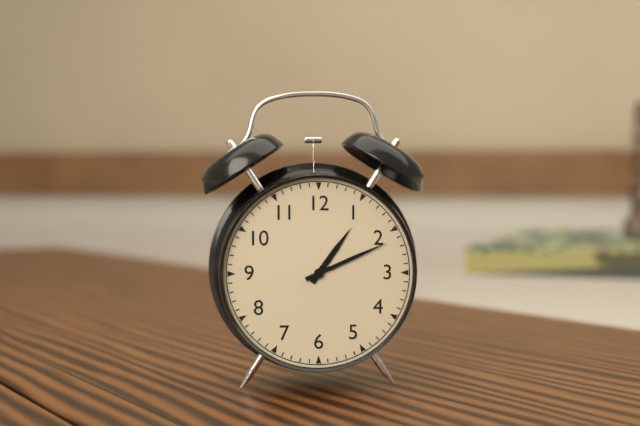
{"hour": 1, "minute": 11}
